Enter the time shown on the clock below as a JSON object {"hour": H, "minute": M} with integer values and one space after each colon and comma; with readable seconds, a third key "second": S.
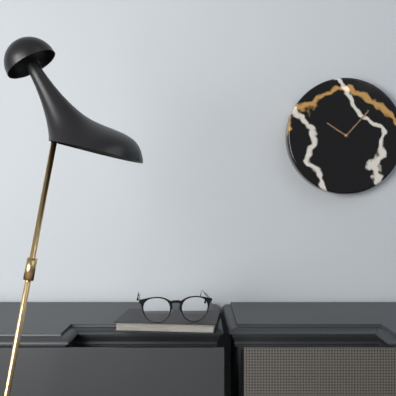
{"hour": 10, "minute": 7}
